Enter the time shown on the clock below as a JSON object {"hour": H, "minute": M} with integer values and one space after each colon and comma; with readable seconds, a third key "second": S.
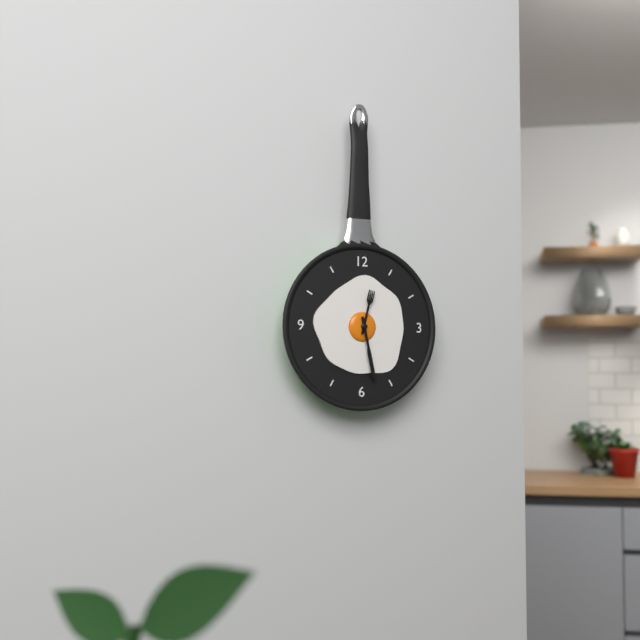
{"hour": 12, "minute": 28}
